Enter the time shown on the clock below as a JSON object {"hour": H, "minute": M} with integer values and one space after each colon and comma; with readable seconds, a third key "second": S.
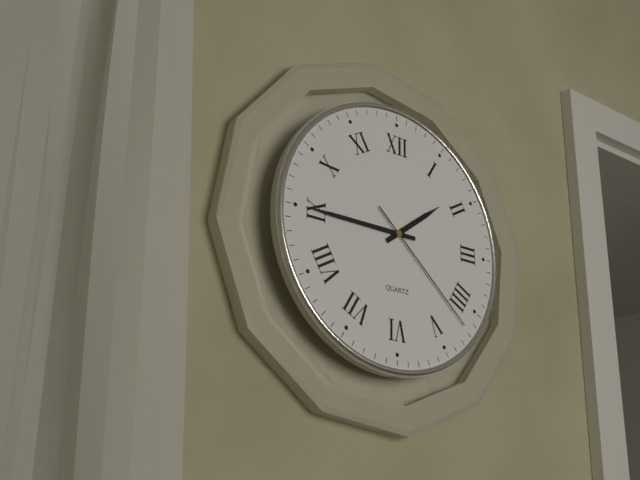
{"hour": 1, "minute": 45, "second": 22}
